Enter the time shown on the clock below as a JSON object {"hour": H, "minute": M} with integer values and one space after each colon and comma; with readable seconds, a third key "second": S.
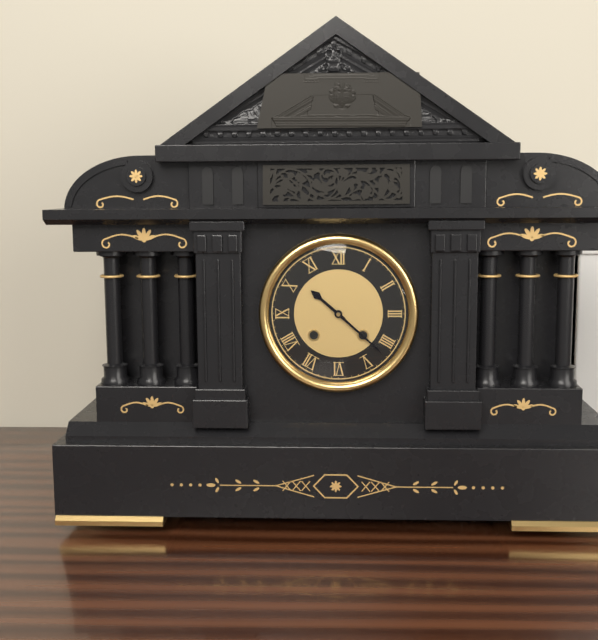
{"hour": 10, "minute": 22}
